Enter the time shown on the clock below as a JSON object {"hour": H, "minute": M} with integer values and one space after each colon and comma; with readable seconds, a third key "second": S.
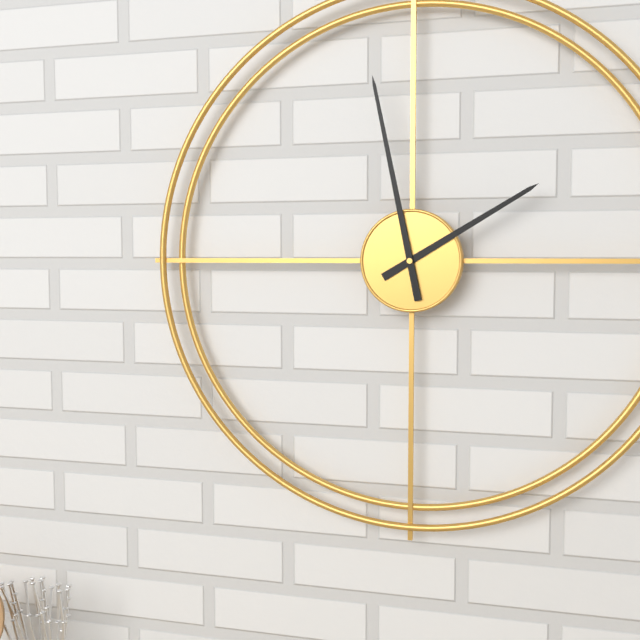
{"hour": 1, "minute": 58}
